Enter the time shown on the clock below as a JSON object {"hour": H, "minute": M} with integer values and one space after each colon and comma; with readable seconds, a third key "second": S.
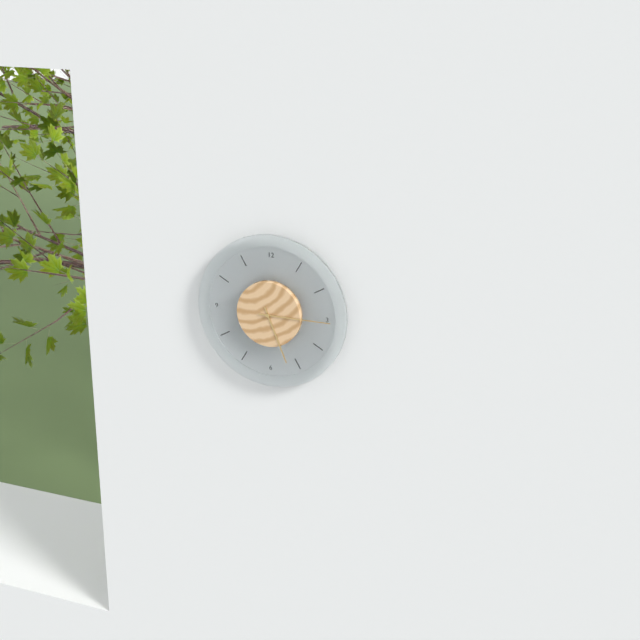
{"hour": 5, "minute": 15}
